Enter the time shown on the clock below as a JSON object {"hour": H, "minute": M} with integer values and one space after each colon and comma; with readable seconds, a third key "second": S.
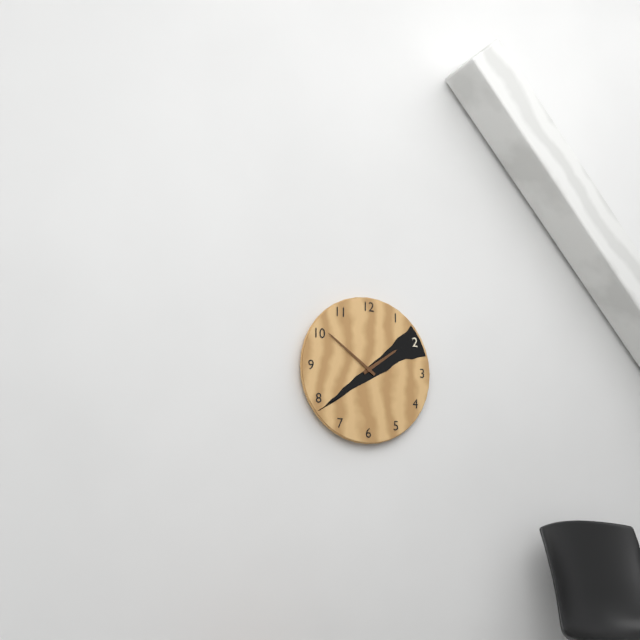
{"hour": 1, "minute": 51}
